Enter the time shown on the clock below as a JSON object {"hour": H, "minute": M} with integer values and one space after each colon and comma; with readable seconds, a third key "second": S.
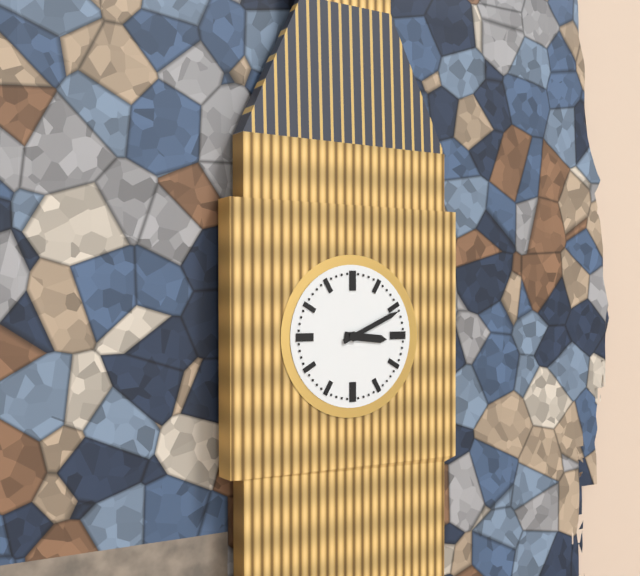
{"hour": 3, "minute": 11}
